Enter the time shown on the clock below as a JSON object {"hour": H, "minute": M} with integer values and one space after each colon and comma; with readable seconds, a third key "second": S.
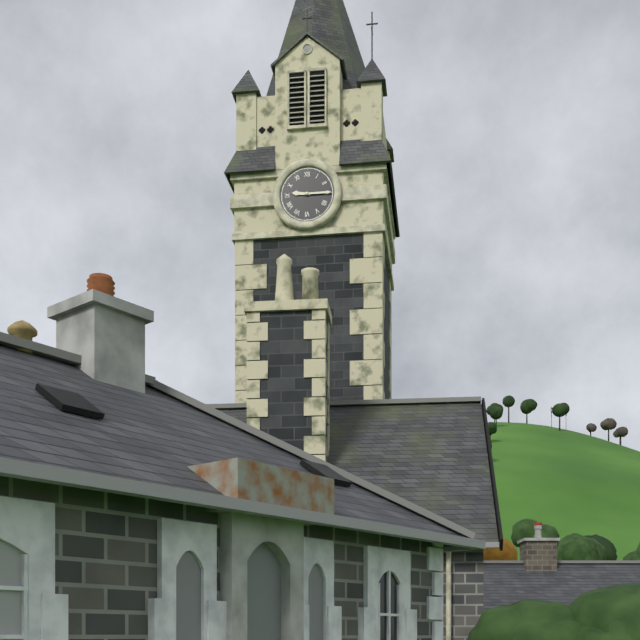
{"hour": 9, "minute": 15}
